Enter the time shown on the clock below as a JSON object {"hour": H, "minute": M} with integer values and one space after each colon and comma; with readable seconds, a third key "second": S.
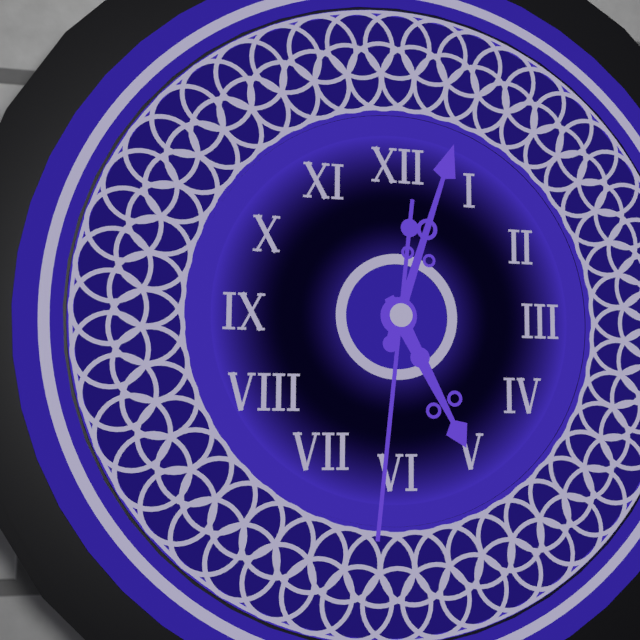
{"hour": 5, "minute": 3, "second": 31}
